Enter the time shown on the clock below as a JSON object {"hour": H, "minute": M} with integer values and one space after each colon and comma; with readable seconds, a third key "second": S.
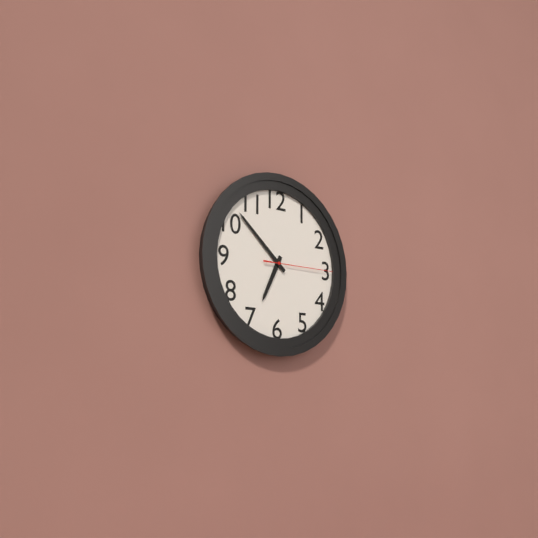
{"hour": 6, "minute": 52, "second": 15}
